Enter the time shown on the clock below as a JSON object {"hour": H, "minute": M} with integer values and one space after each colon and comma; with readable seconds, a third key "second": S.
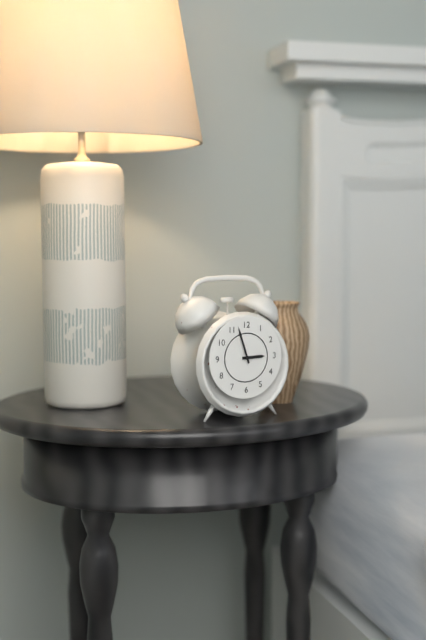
{"hour": 2, "minute": 57}
